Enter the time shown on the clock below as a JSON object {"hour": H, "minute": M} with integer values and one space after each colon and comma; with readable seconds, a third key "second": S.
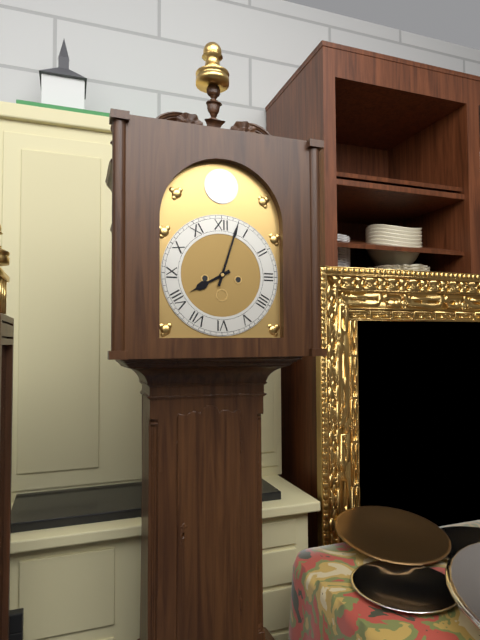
{"hour": 8, "minute": 3}
